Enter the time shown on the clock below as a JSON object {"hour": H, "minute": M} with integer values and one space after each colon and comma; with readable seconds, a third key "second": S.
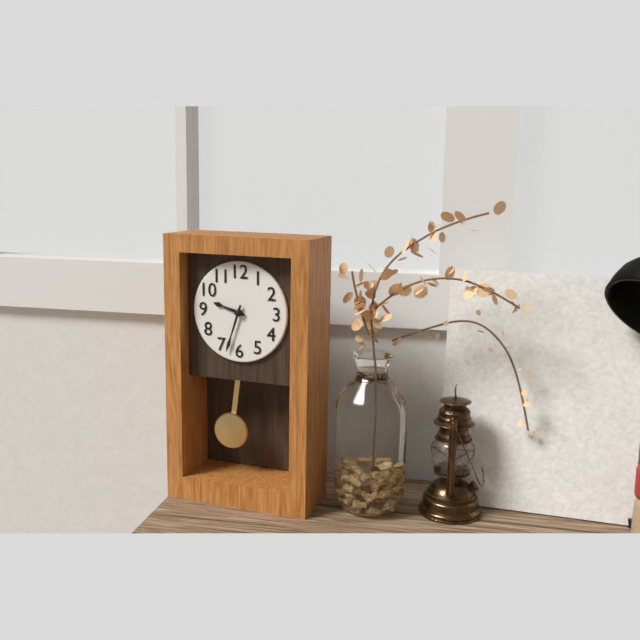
{"hour": 9, "minute": 33}
